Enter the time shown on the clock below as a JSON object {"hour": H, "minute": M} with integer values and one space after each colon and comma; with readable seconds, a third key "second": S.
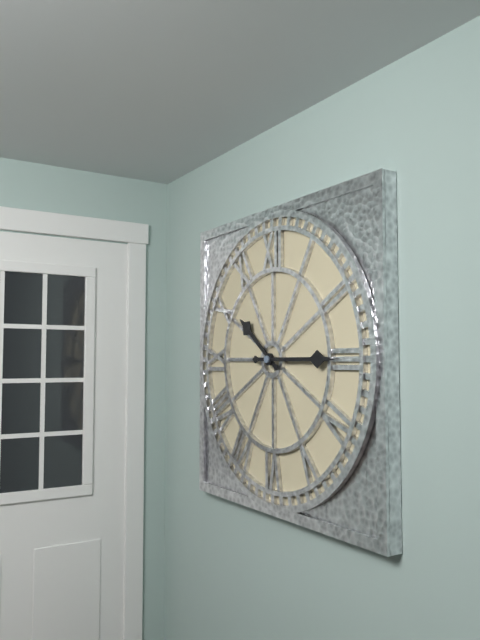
{"hour": 10, "minute": 15}
